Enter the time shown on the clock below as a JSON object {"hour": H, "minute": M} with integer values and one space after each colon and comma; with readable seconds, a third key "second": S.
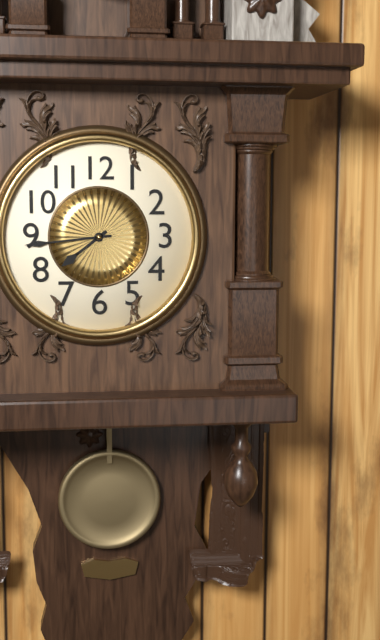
{"hour": 7, "minute": 44}
